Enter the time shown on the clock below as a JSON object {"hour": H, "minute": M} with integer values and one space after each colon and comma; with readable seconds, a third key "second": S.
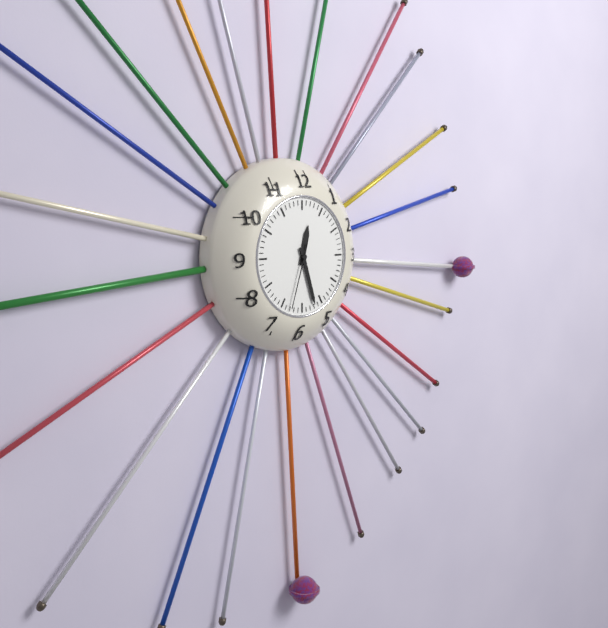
{"hour": 12, "minute": 27, "second": 33}
